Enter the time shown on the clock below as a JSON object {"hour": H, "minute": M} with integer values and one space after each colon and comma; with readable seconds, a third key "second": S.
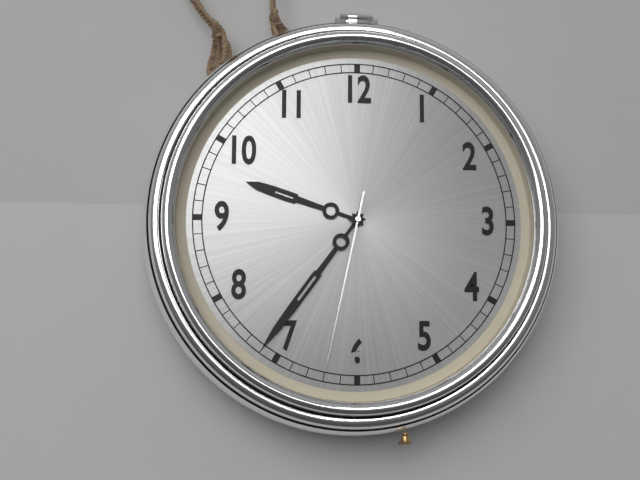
{"hour": 9, "minute": 36, "second": 32}
